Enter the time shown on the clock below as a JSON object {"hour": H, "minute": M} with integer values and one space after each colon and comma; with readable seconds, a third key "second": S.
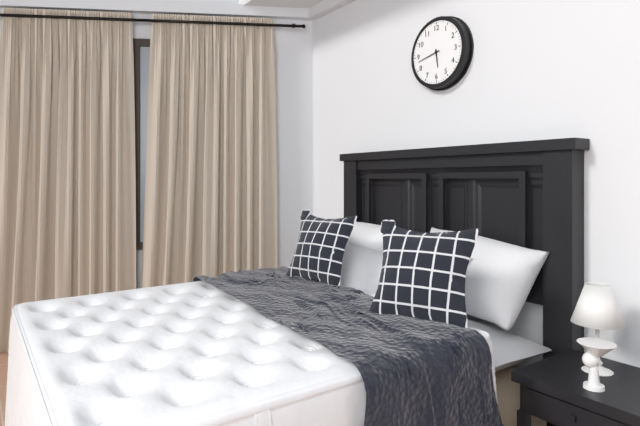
{"hour": 5, "minute": 43}
